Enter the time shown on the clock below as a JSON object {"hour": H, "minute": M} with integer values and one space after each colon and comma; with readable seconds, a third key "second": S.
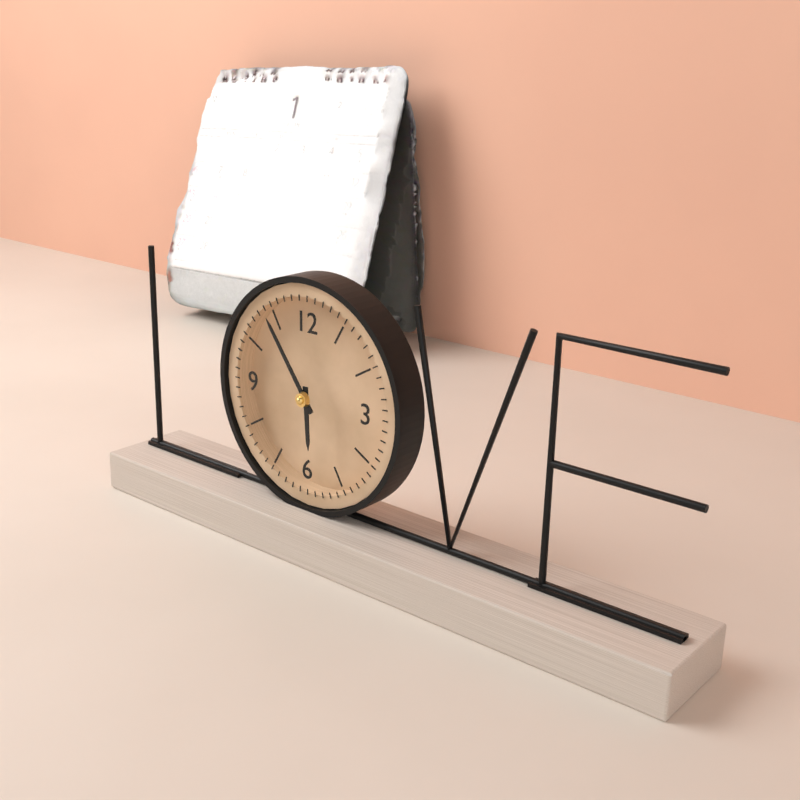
{"hour": 5, "minute": 54}
